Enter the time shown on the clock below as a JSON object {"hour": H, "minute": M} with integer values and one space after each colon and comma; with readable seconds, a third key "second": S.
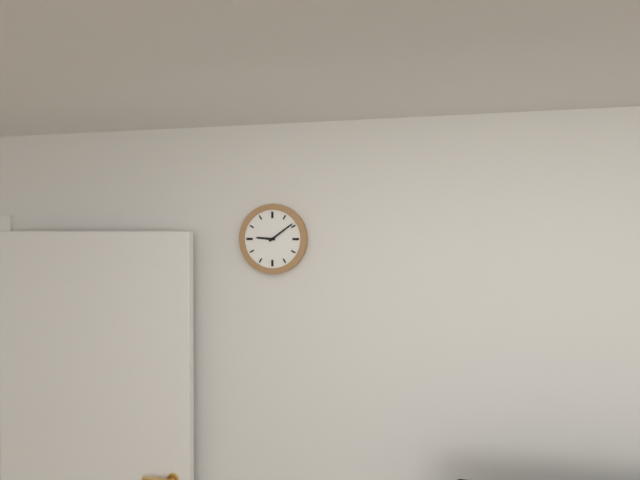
{"hour": 9, "minute": 9}
